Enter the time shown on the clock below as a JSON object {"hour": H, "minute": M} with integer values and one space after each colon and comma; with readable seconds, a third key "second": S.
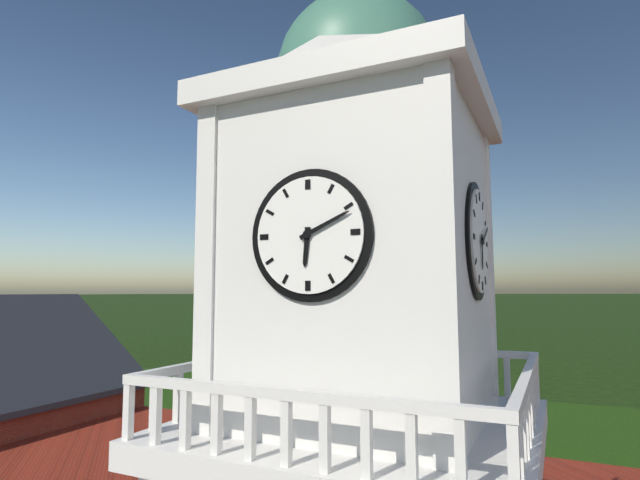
{"hour": 6, "minute": 11}
